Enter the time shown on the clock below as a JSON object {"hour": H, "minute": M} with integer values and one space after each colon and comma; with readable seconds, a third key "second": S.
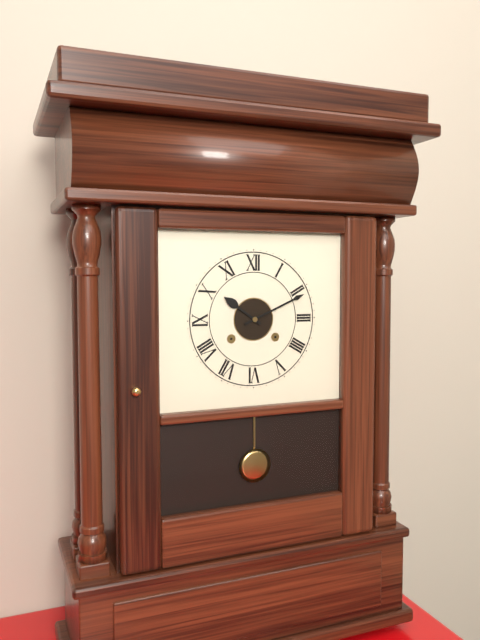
{"hour": 10, "minute": 11}
